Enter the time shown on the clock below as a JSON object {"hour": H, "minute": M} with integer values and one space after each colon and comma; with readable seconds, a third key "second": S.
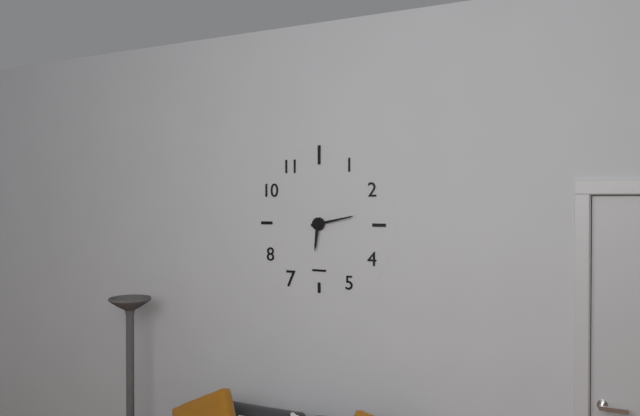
{"hour": 6, "minute": 13}
